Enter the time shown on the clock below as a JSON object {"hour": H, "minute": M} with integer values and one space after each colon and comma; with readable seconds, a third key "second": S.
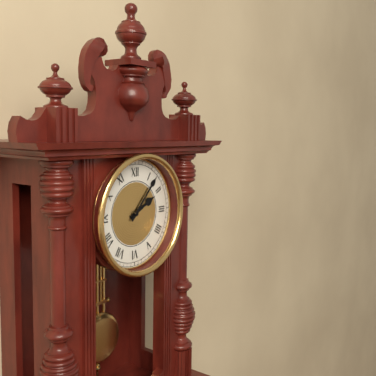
{"hour": 2, "minute": 7}
